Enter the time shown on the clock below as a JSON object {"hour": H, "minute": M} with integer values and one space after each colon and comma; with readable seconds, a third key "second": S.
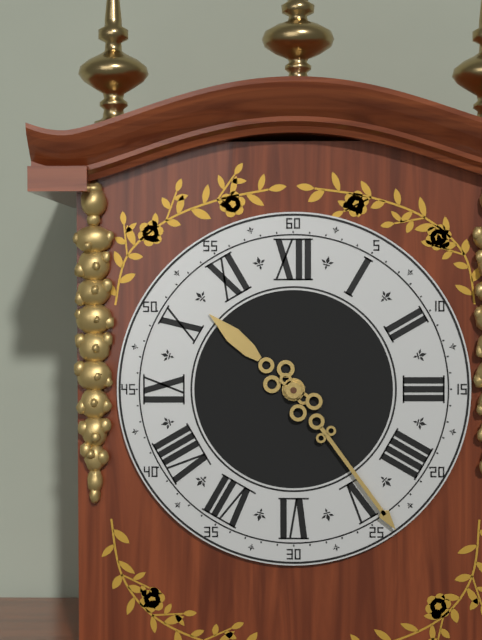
{"hour": 10, "minute": 24}
